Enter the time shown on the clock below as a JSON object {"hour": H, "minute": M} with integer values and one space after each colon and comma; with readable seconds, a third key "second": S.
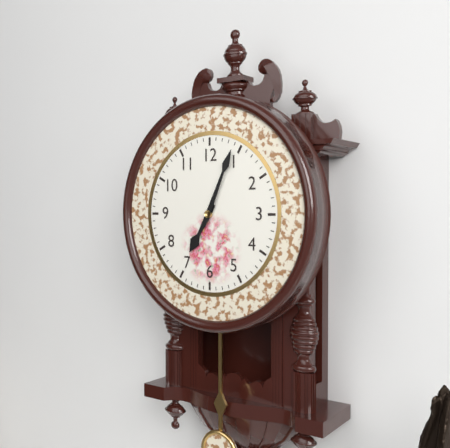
{"hour": 7, "minute": 4}
